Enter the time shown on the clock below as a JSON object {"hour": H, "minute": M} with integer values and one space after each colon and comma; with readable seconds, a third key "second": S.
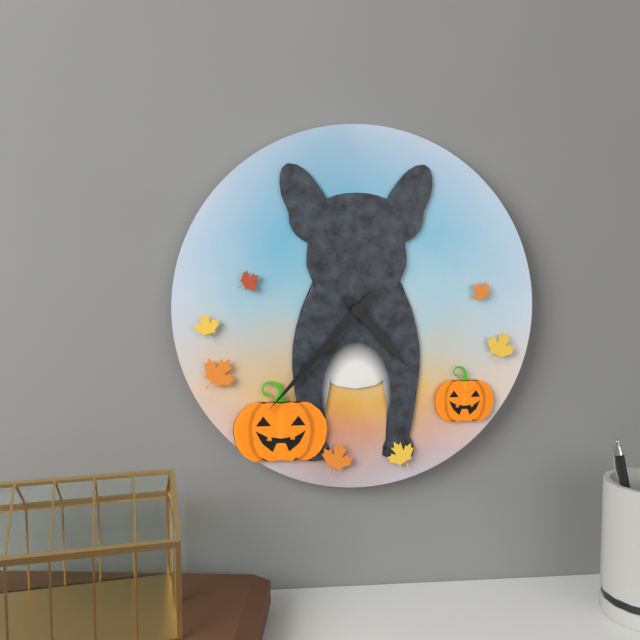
{"hour": 4, "minute": 37}
